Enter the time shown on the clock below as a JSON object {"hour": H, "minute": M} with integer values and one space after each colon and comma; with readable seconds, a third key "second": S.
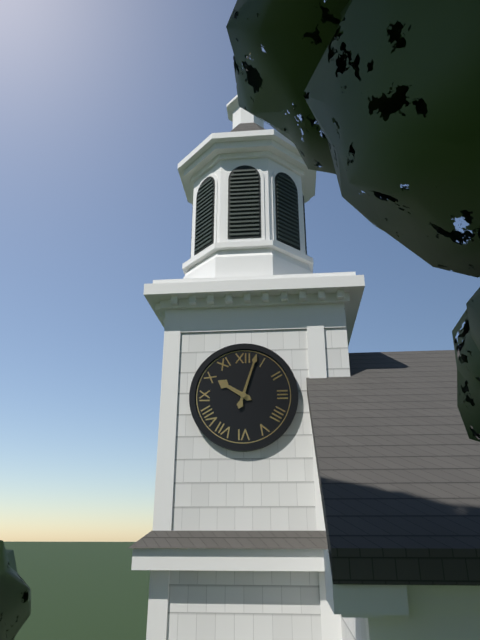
{"hour": 10, "minute": 3}
